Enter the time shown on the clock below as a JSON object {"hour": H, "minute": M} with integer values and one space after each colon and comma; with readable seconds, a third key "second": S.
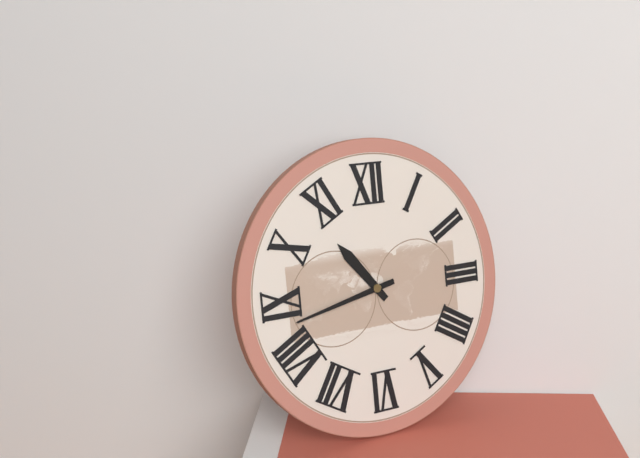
{"hour": 10, "minute": 43}
